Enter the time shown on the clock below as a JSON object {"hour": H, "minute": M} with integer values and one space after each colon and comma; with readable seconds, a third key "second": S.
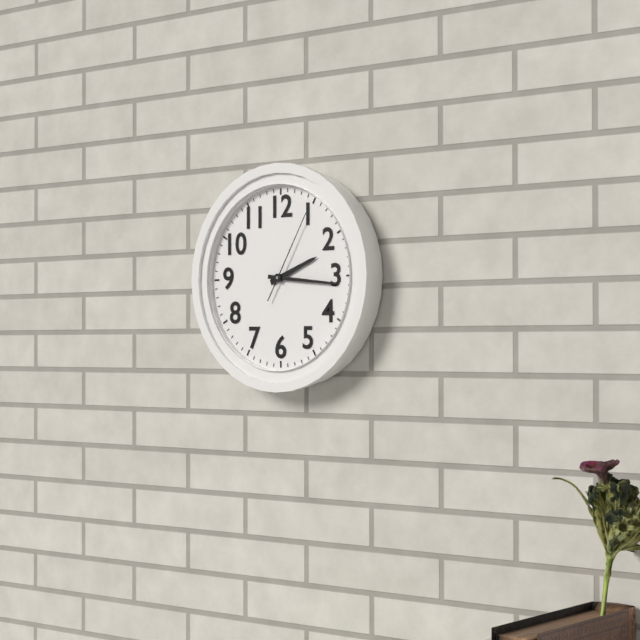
{"hour": 2, "minute": 16, "second": 5}
